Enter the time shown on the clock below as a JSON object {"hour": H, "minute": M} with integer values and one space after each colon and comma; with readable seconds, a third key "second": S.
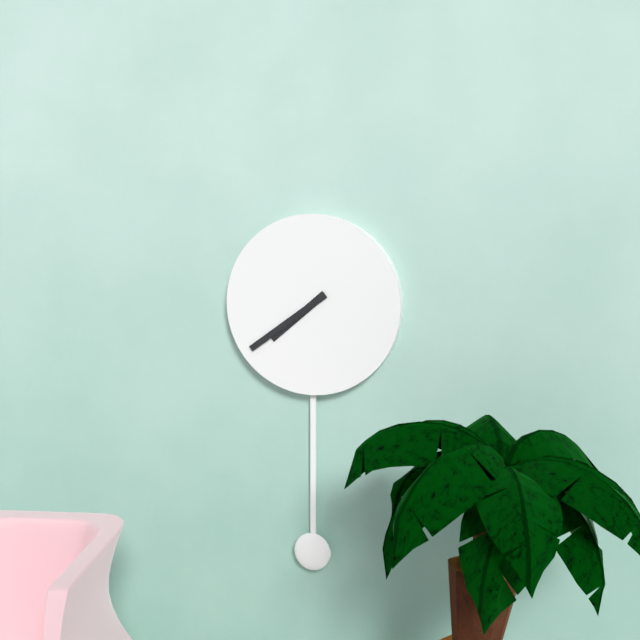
{"hour": 7, "minute": 39}
